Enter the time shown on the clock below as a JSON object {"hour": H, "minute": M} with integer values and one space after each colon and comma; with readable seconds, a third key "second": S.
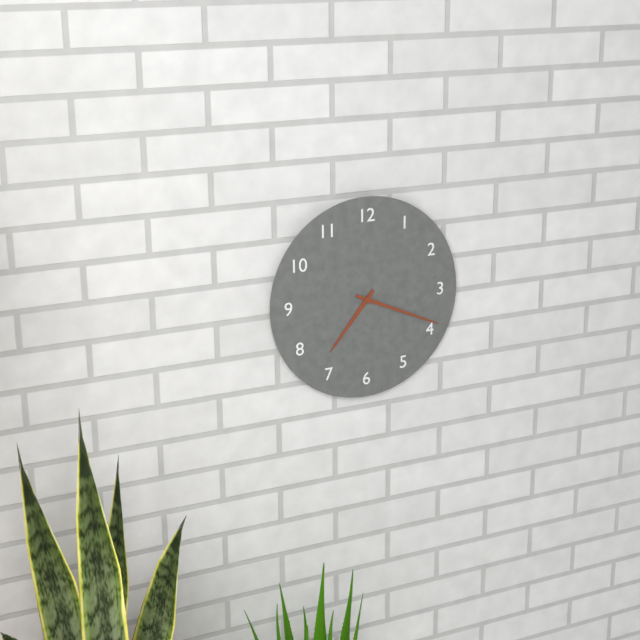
{"hour": 7, "minute": 19}
